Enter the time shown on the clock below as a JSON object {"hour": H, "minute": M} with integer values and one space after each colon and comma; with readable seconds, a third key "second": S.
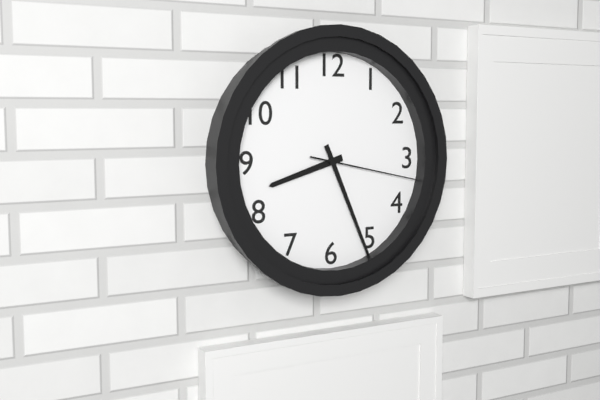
{"hour": 8, "minute": 26, "second": 17}
